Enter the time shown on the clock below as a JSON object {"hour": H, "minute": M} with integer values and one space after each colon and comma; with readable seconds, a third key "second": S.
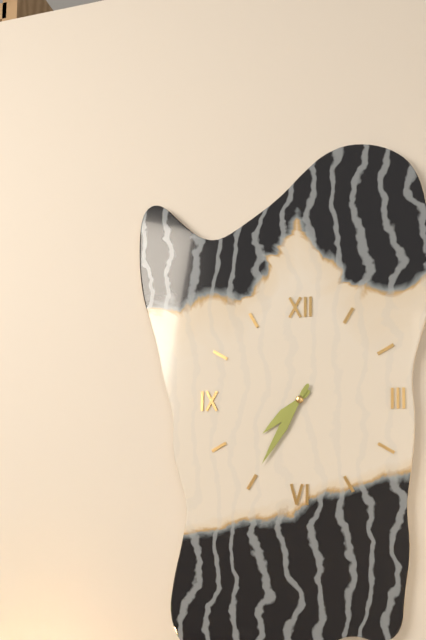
{"hour": 7, "minute": 35}
